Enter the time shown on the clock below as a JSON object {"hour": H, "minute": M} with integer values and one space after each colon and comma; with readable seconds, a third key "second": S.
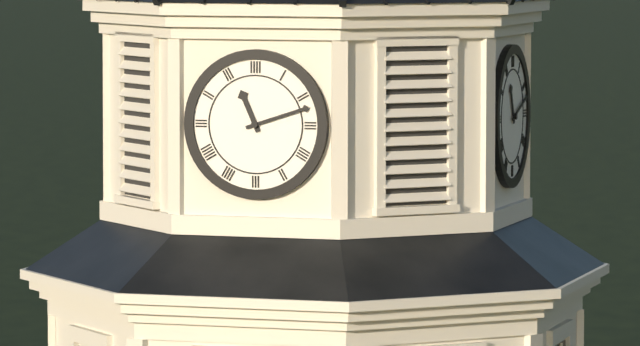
{"hour": 11, "minute": 12}
